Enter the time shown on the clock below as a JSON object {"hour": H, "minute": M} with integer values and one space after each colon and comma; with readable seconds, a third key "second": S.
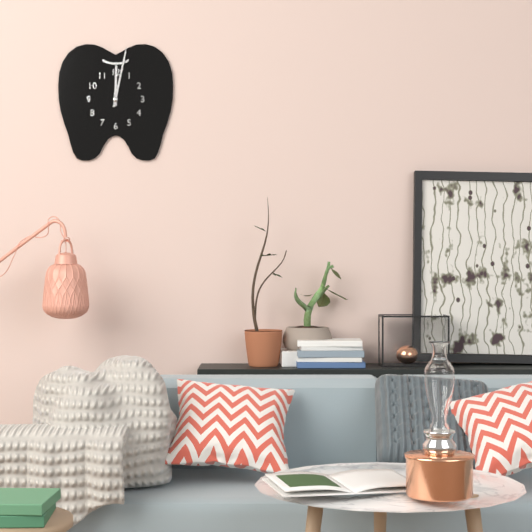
{"hour": 12, "minute": 2}
